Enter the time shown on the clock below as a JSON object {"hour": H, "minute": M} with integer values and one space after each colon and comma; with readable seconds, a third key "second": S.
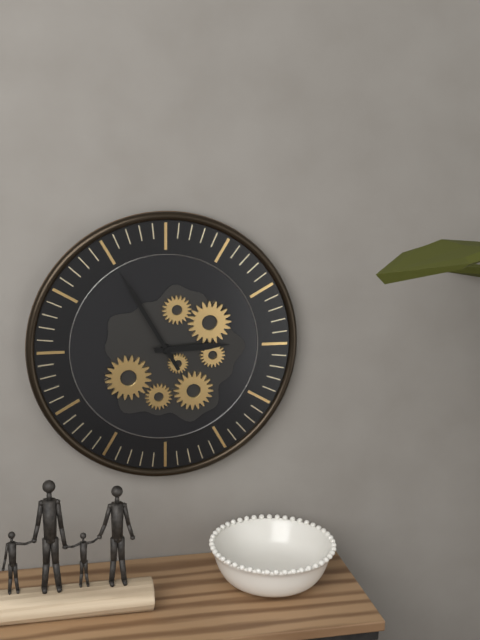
{"hour": 2, "minute": 55}
